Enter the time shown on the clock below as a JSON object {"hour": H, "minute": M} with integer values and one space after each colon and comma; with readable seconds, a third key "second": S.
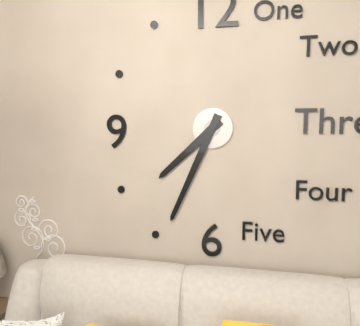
{"hour": 7, "minute": 34}
